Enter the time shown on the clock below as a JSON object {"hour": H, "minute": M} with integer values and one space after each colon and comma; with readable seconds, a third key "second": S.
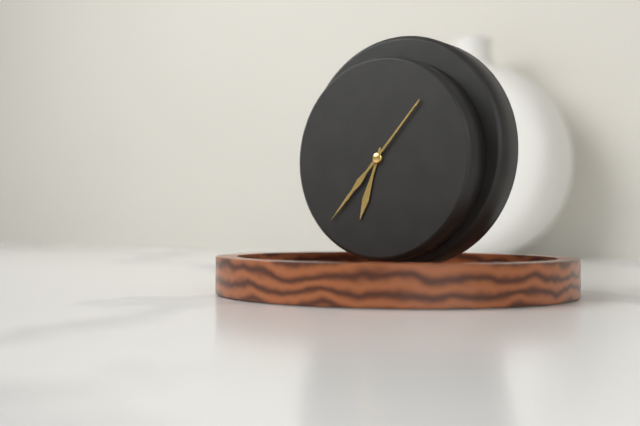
{"hour": 6, "minute": 37}
